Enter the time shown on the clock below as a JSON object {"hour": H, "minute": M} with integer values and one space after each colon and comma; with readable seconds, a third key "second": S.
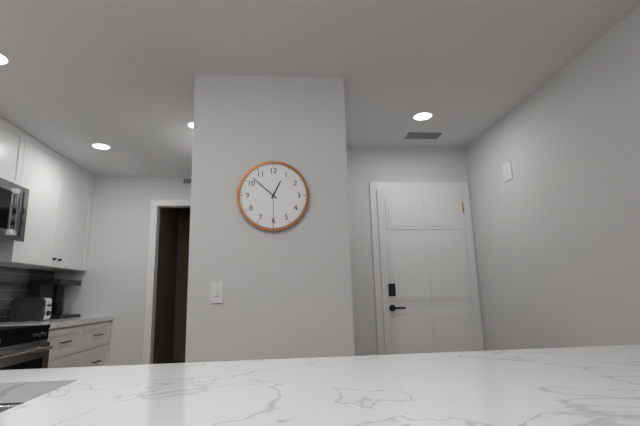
{"hour": 12, "minute": 52}
